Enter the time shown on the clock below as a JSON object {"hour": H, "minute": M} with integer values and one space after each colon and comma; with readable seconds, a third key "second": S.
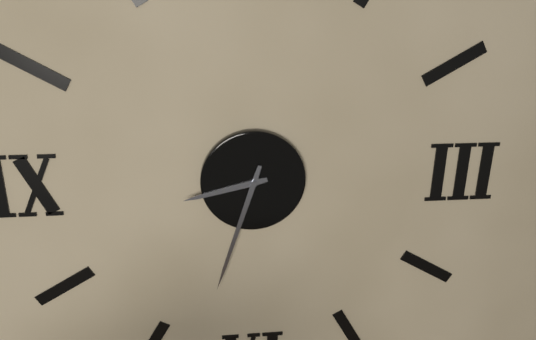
{"hour": 8, "minute": 33}
